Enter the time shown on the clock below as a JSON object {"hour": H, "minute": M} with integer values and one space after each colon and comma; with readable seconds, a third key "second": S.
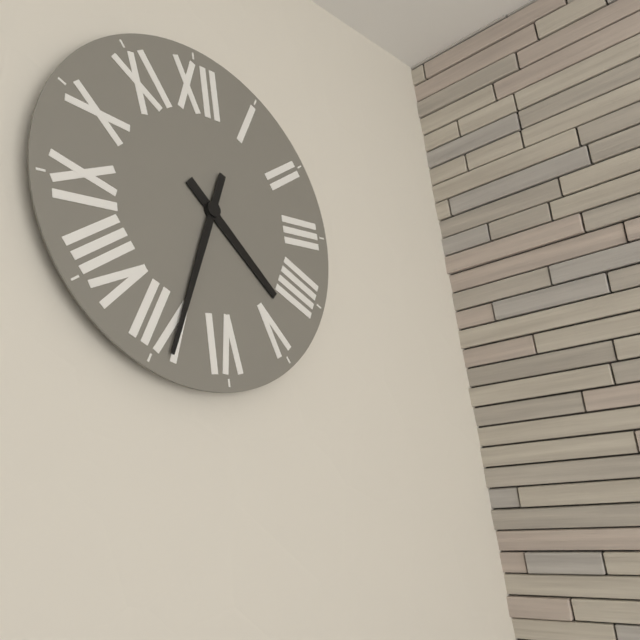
{"hour": 4, "minute": 34}
